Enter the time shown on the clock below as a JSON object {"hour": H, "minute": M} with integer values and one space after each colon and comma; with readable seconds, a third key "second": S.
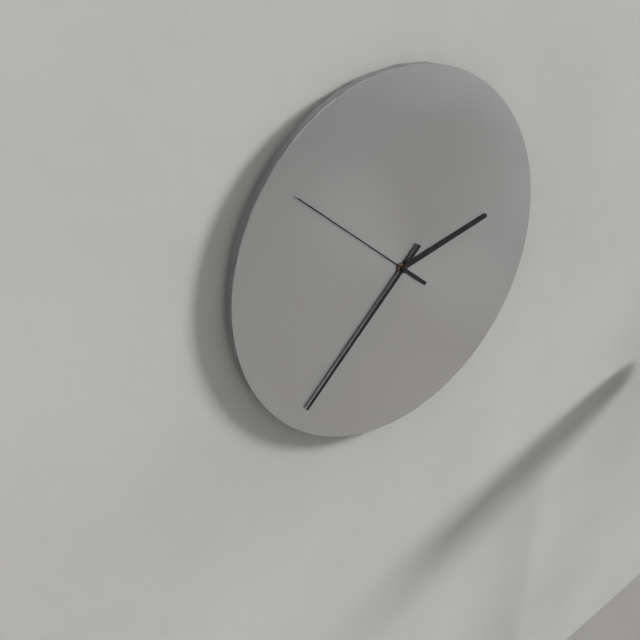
{"hour": 2, "minute": 38, "second": 52}
